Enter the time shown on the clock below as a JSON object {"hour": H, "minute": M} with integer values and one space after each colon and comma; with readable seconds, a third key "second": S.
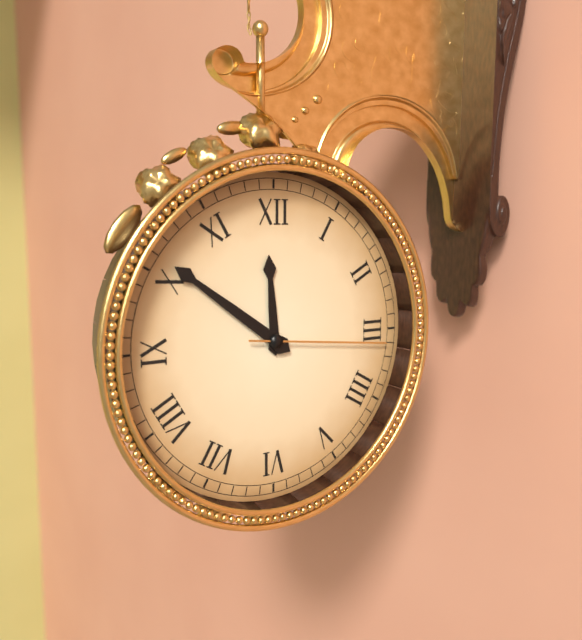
{"hour": 11, "minute": 51, "second": 16}
